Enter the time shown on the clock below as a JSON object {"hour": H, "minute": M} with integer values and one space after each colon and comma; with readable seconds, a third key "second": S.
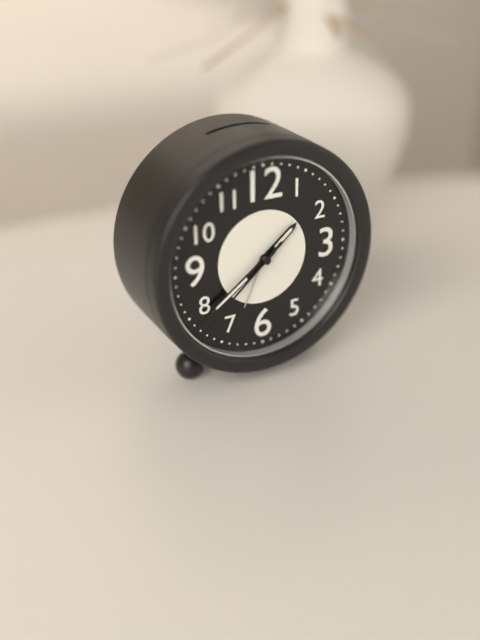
{"hour": 1, "minute": 39, "second": 38}
